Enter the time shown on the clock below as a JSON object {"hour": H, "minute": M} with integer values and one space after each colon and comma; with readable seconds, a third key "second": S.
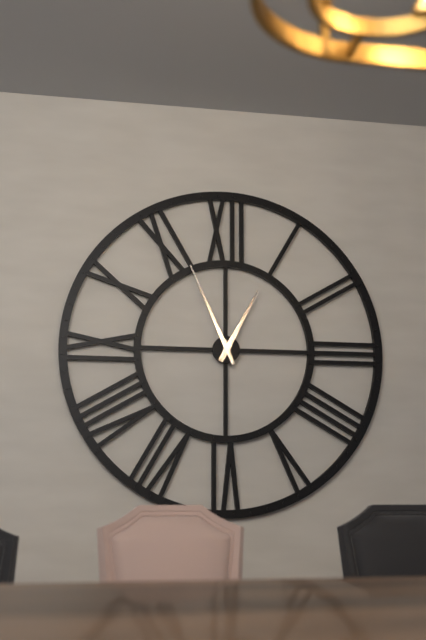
{"hour": 12, "minute": 56}
